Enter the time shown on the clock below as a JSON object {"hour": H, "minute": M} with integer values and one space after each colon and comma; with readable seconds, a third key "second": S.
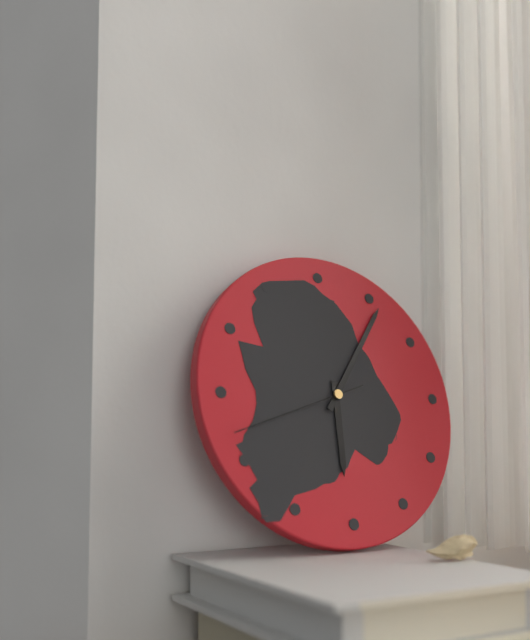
{"hour": 6, "minute": 6, "second": 42}
